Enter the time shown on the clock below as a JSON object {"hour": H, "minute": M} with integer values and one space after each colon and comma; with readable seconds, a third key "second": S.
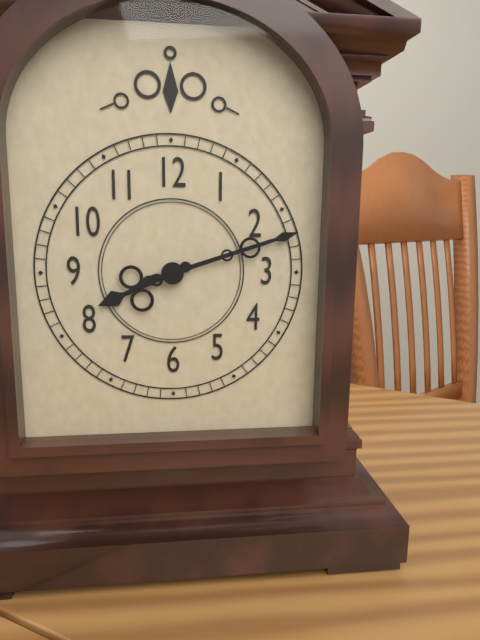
{"hour": 8, "minute": 12}
